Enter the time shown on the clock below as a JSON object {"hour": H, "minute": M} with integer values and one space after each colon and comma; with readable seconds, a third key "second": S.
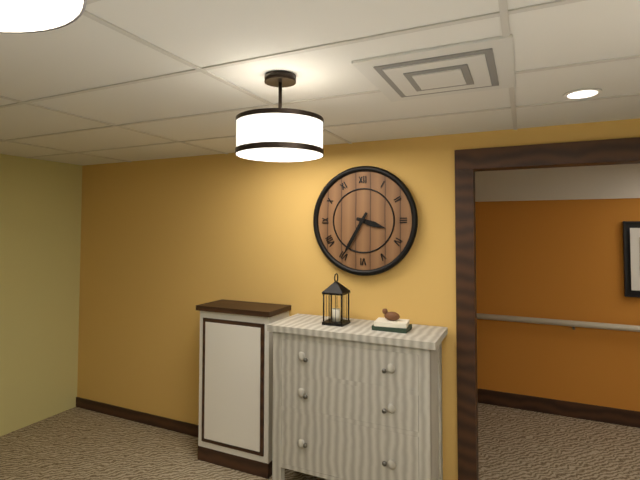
{"hour": 3, "minute": 35}
